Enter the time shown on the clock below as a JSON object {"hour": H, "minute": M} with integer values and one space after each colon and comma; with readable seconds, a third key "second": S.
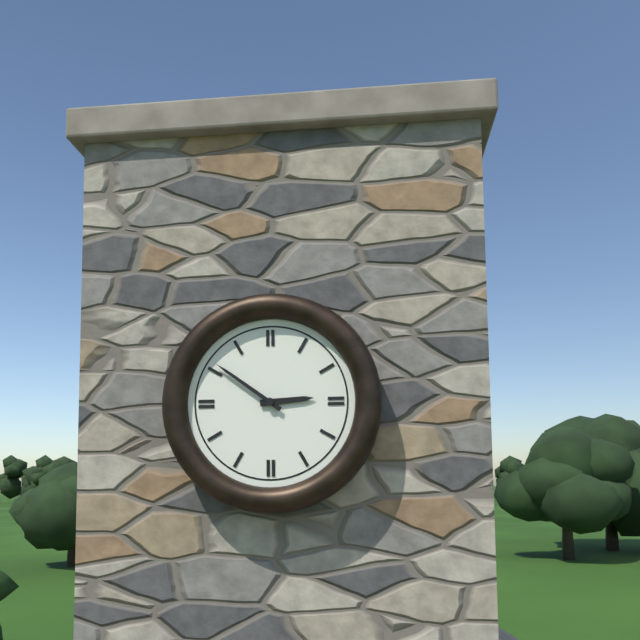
{"hour": 2, "minute": 51}
